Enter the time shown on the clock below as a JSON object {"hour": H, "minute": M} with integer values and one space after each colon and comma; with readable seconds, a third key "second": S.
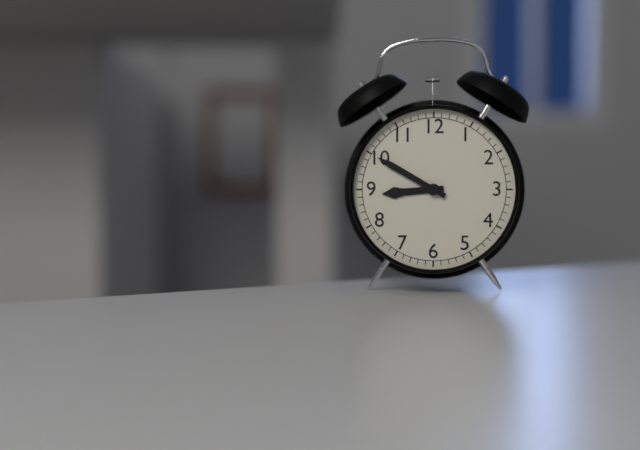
{"hour": 8, "minute": 50}
